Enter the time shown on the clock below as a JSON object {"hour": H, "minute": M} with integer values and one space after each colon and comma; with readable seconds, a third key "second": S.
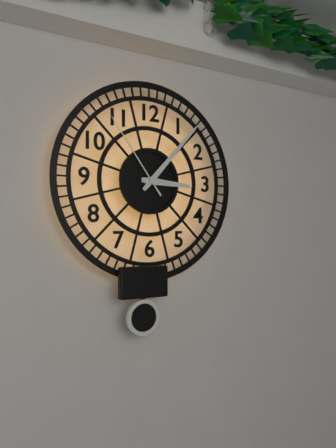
{"hour": 3, "minute": 7, "second": 54}
